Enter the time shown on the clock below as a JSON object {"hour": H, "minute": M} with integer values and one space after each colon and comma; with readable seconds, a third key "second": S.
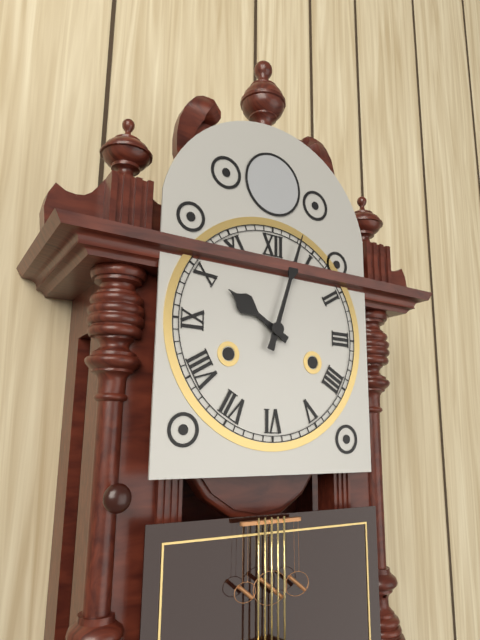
{"hour": 10, "minute": 3}
